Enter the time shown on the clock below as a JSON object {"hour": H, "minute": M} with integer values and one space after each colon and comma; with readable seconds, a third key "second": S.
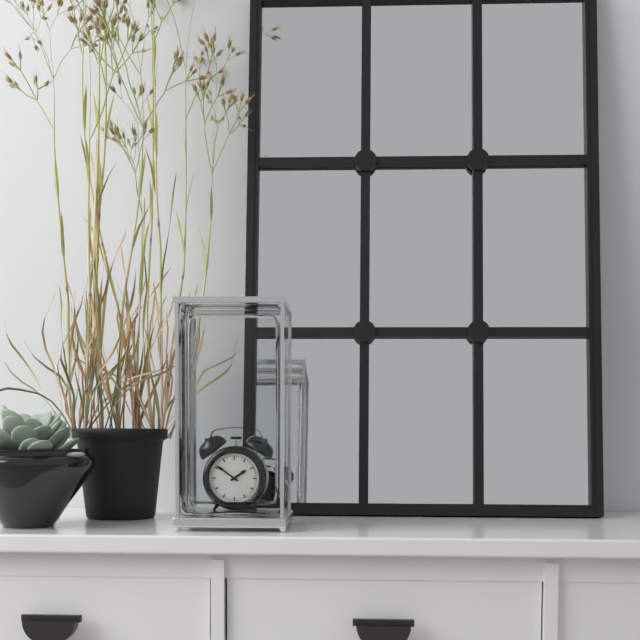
{"hour": 1, "minute": 51}
